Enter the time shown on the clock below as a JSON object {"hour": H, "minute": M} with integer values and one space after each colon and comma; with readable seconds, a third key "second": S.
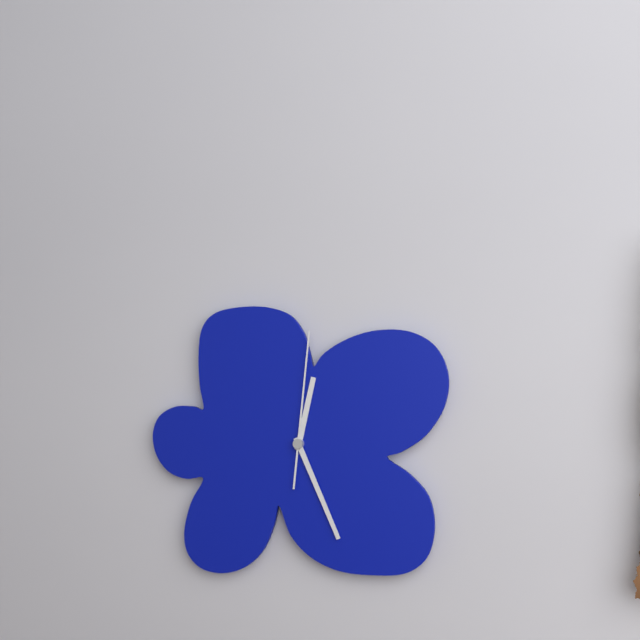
{"hour": 12, "minute": 26, "second": 1}
